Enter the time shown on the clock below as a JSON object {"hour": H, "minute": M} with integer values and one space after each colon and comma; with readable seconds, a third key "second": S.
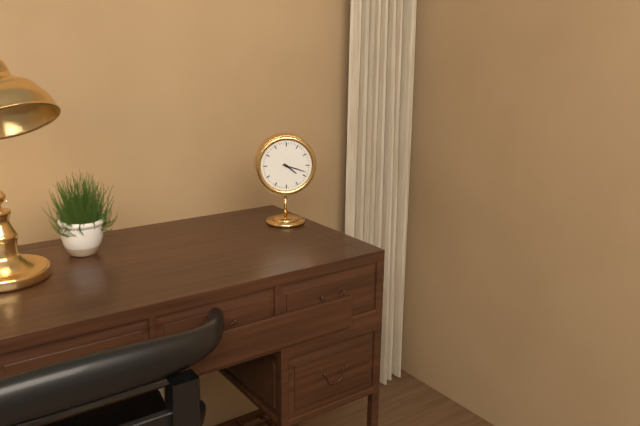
{"hour": 4, "minute": 18}
